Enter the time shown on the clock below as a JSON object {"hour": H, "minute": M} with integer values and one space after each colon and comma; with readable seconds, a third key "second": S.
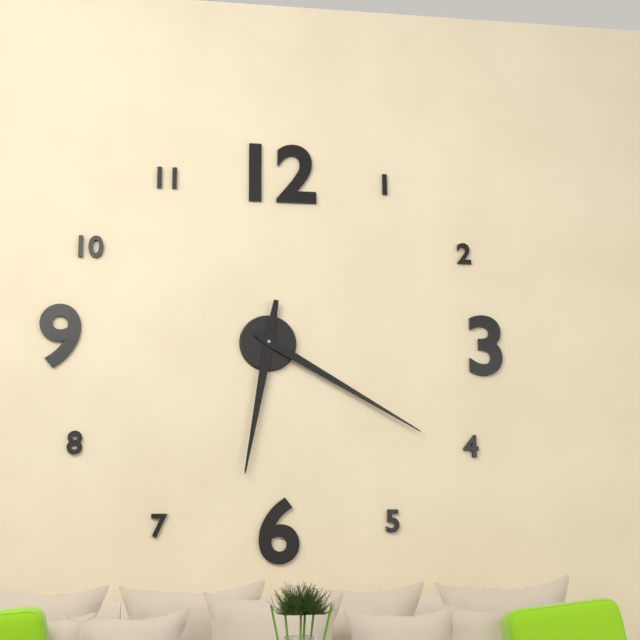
{"hour": 6, "minute": 20}
